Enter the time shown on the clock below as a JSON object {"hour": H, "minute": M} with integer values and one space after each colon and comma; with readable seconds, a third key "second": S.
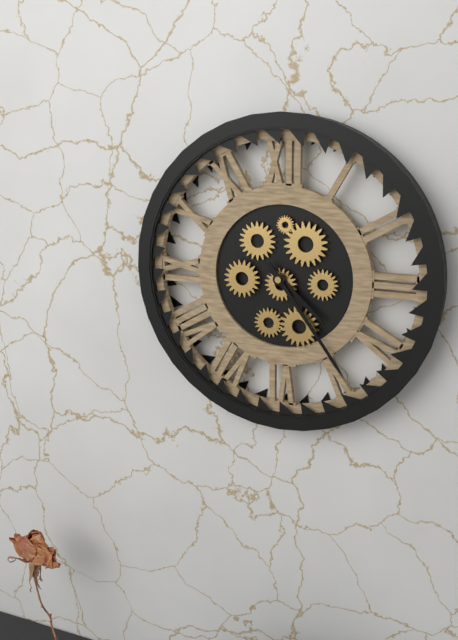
{"hour": 4, "minute": 24}
